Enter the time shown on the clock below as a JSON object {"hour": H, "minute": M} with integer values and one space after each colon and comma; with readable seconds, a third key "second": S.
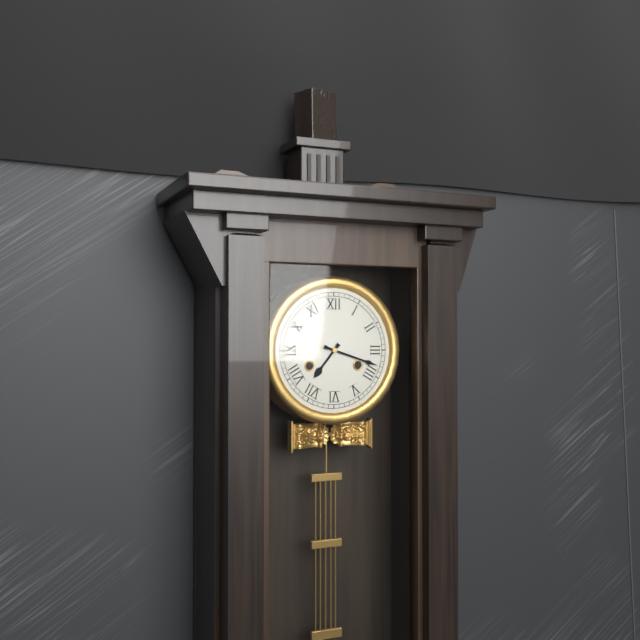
{"hour": 7, "minute": 18}
